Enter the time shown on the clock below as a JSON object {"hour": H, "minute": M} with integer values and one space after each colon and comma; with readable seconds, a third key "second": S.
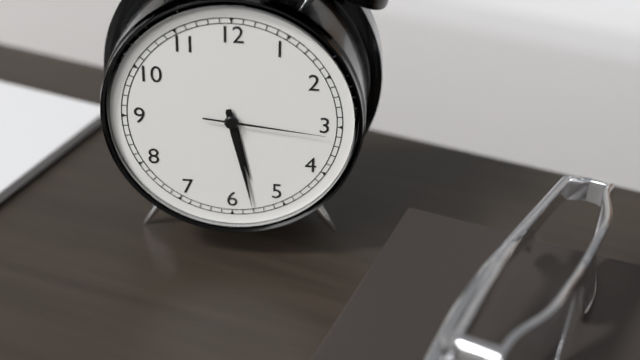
{"hour": 5, "minute": 28, "second": 16}
